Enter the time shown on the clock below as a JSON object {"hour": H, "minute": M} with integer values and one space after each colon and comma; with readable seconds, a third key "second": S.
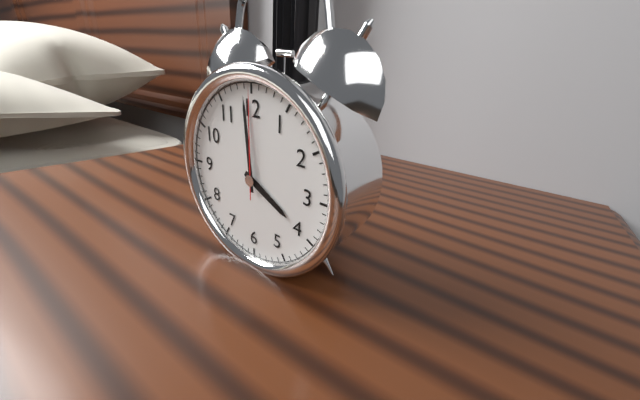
{"hour": 3, "minute": 59, "second": 0}
